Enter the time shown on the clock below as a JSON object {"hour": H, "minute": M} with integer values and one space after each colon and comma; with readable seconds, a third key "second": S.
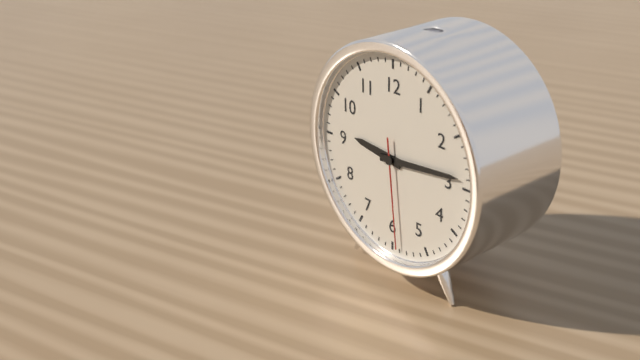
{"hour": 9, "minute": 14, "second": 29}
